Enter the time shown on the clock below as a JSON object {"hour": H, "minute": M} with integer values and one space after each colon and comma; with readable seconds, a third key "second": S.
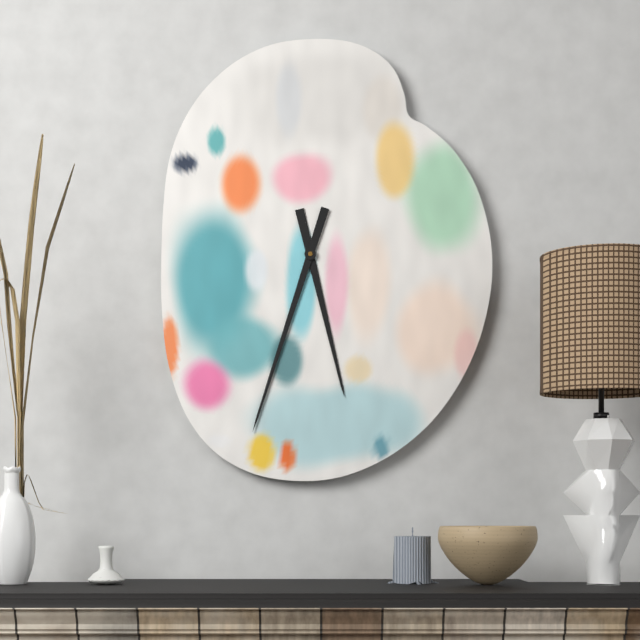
{"hour": 5, "minute": 33}
